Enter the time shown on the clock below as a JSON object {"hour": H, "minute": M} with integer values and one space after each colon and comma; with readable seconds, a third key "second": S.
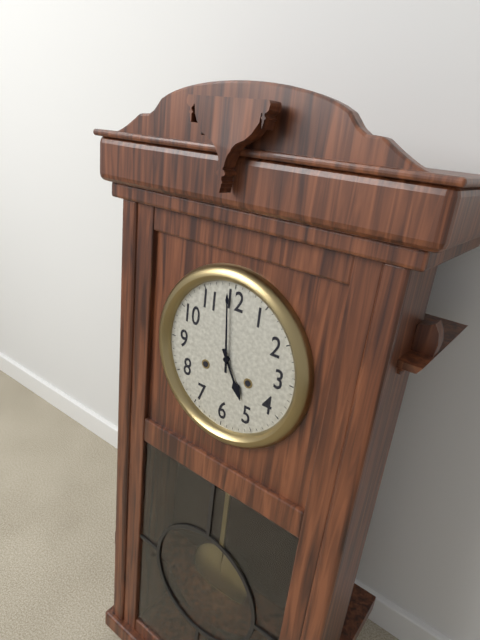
{"hour": 4, "minute": 59}
